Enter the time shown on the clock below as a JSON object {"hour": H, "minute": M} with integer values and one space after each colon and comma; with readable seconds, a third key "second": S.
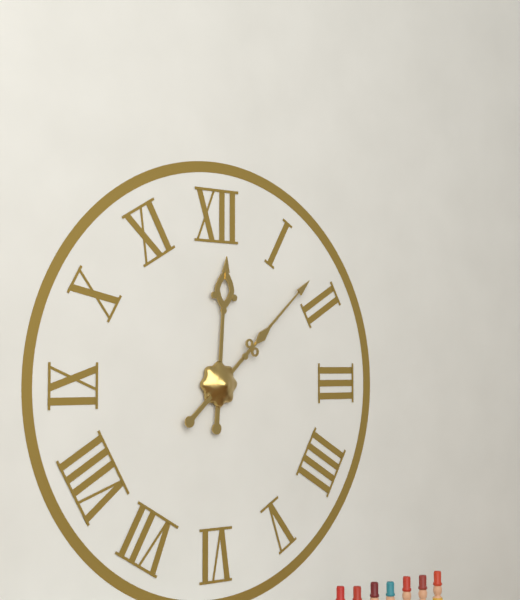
{"hour": 12, "minute": 8}
